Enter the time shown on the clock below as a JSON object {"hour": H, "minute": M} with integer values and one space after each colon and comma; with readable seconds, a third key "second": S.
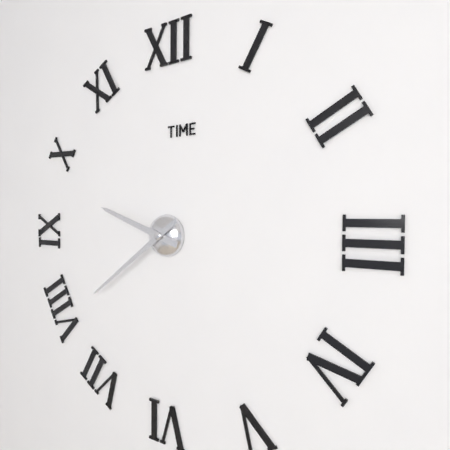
{"hour": 9, "minute": 39}
